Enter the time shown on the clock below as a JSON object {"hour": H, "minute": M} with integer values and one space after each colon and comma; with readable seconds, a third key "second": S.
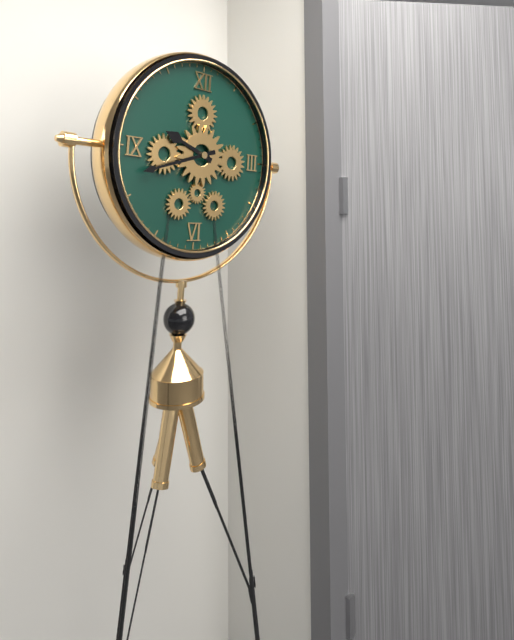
{"hour": 9, "minute": 42}
